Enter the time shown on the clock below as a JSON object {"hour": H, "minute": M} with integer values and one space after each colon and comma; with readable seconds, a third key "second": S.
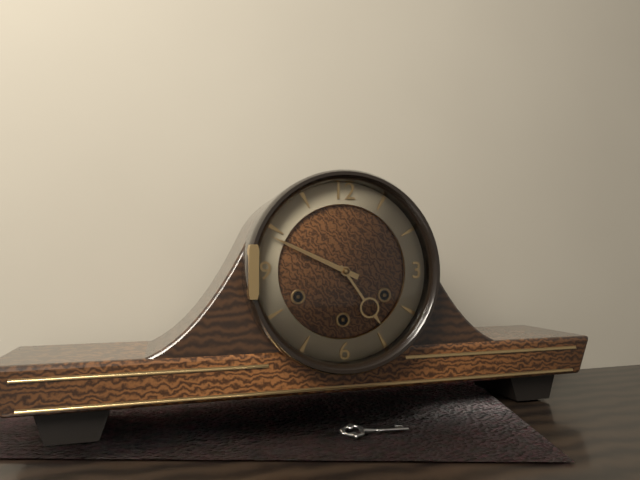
{"hour": 4, "minute": 49}
